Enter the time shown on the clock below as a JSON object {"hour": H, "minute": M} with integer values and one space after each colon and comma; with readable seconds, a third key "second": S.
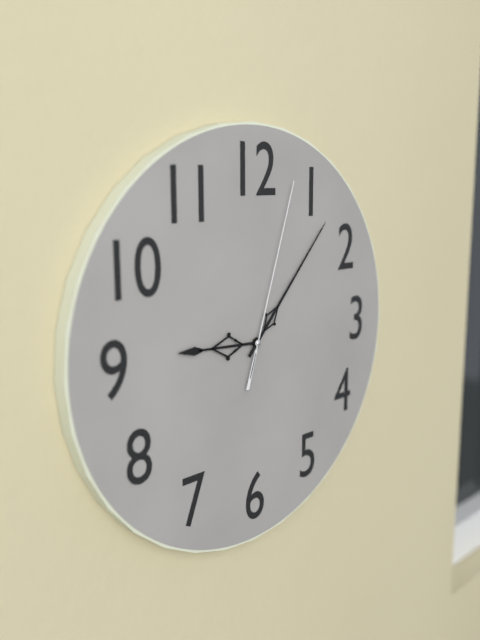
{"hour": 9, "minute": 7, "second": 3}
